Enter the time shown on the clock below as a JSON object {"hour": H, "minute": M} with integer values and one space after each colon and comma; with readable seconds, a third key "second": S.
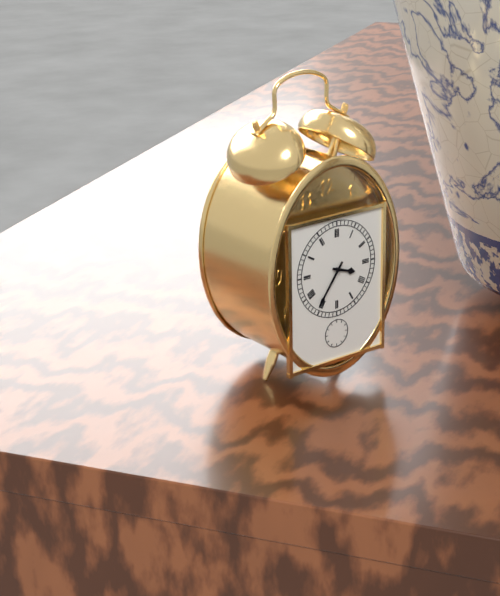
{"hour": 3, "minute": 36}
